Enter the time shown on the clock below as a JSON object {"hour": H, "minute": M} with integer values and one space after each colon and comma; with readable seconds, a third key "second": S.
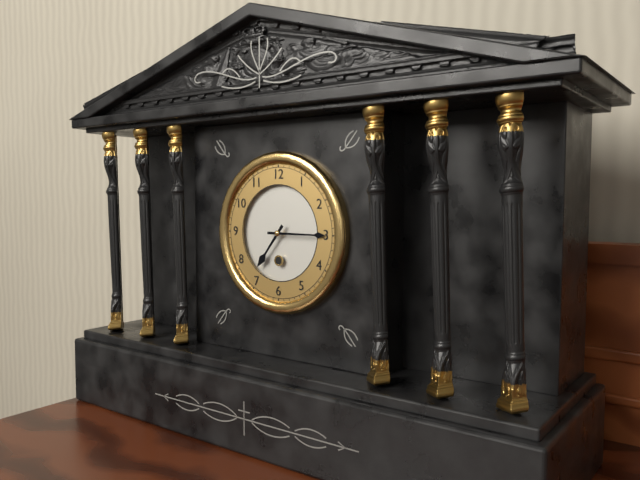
{"hour": 7, "minute": 15}
